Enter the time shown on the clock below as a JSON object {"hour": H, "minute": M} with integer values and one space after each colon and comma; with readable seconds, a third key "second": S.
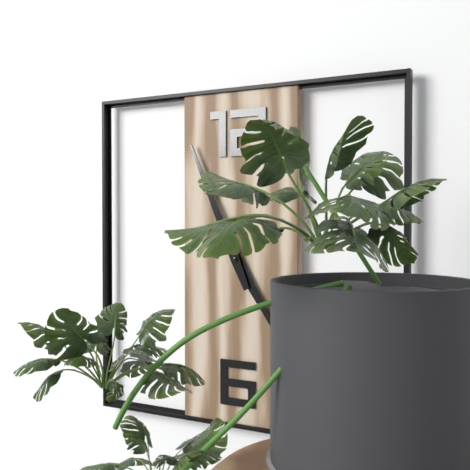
{"hour": 4, "minute": 56}
